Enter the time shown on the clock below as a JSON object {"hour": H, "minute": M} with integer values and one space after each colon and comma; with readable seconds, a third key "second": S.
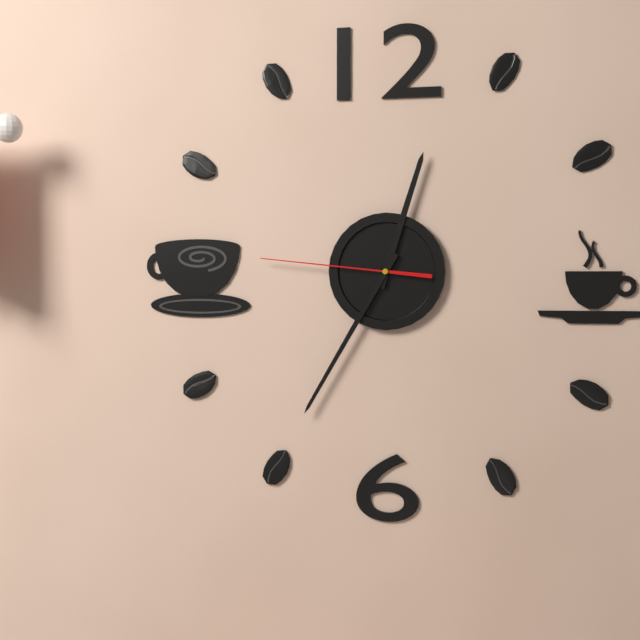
{"hour": 12, "minute": 35, "second": 46}
